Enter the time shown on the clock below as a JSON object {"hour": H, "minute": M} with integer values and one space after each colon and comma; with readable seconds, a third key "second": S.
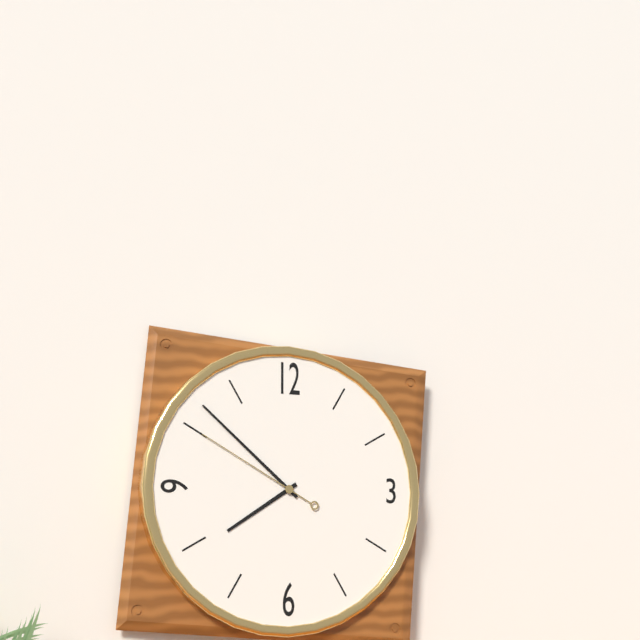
{"hour": 7, "minute": 52, "second": 50}
